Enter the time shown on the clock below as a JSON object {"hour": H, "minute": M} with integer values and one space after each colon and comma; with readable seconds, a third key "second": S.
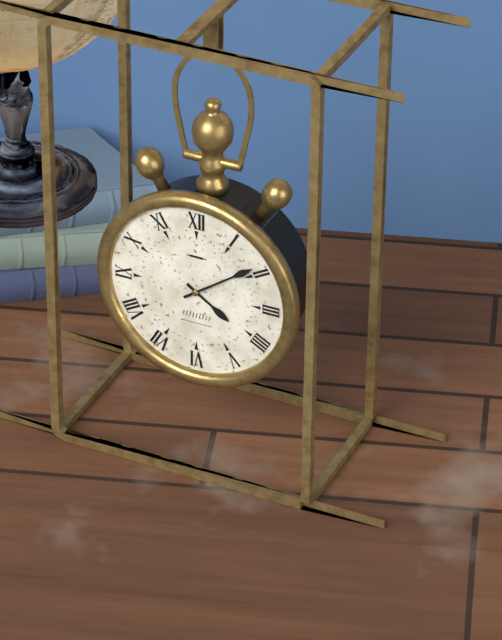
{"hour": 4, "minute": 9}
